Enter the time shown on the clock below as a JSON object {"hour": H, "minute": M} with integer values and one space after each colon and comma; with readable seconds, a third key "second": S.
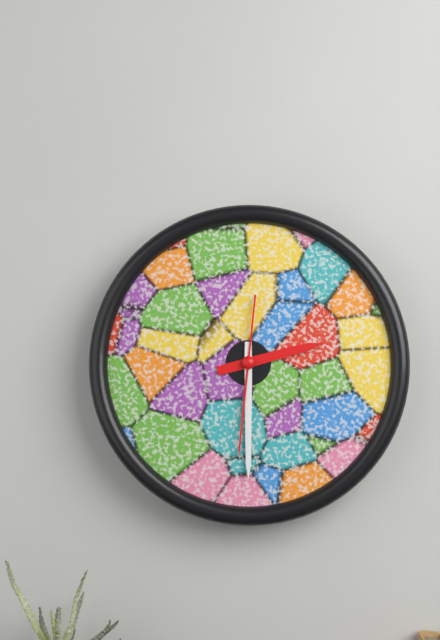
{"hour": 2, "minute": 30, "second": 31}
